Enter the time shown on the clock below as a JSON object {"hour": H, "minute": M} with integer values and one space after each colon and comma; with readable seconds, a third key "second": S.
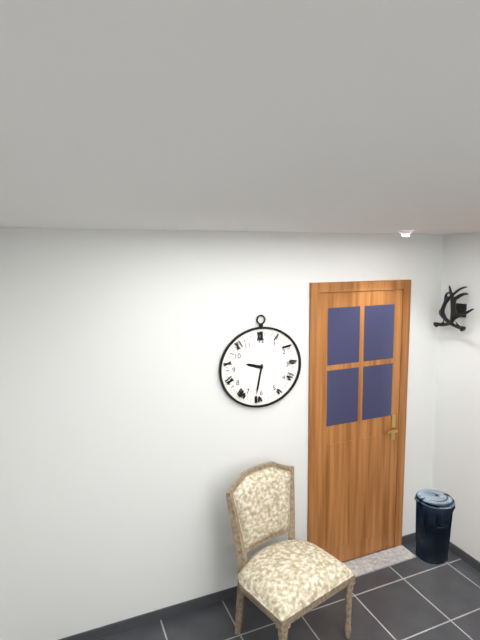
{"hour": 9, "minute": 32}
